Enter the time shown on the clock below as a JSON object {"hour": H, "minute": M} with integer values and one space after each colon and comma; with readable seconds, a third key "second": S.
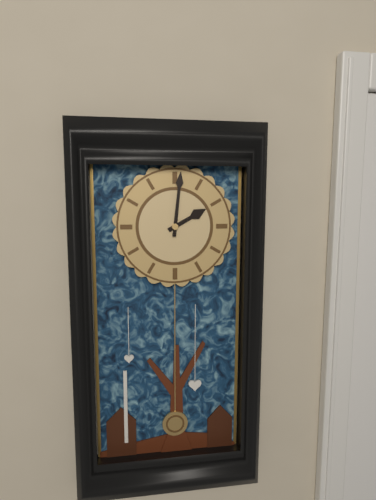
{"hour": 2, "minute": 1}
